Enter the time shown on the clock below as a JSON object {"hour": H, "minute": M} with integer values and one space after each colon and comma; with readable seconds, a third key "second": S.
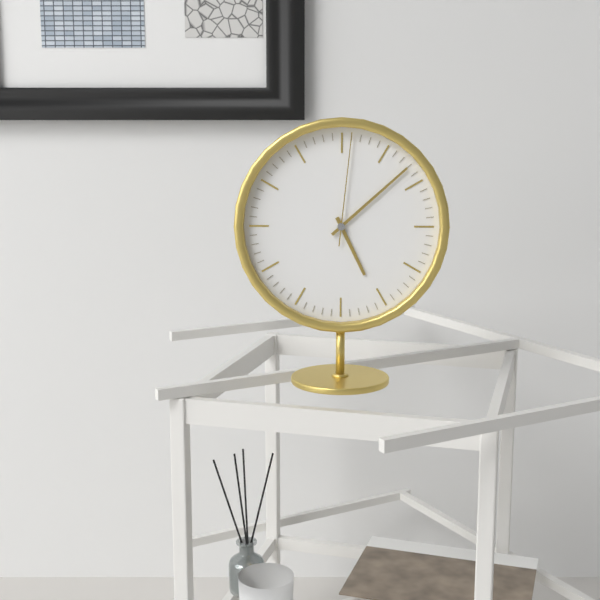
{"hour": 5, "minute": 8, "second": 1}
